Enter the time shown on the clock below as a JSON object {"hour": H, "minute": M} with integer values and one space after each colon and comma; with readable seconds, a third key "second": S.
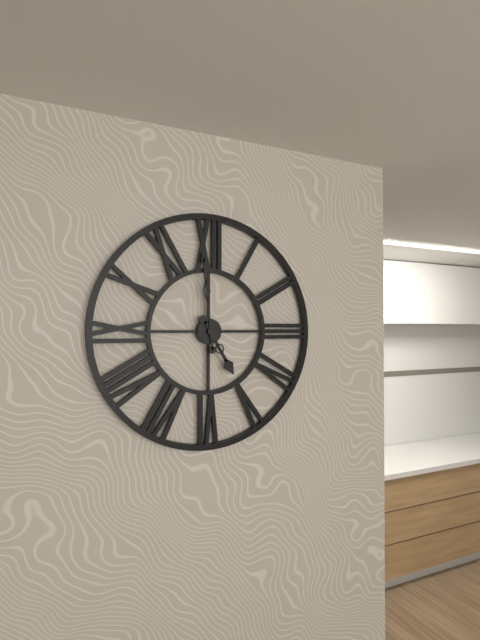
{"hour": 4, "minute": 59}
